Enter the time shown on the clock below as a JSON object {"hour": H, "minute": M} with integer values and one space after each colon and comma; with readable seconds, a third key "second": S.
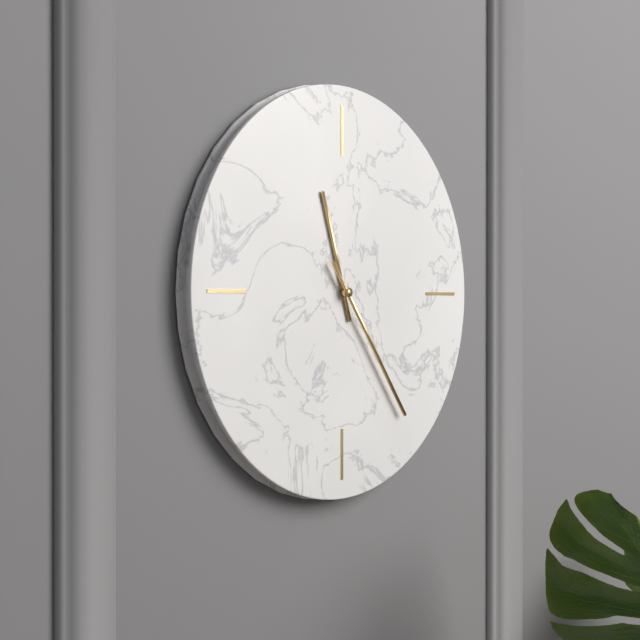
{"hour": 11, "minute": 24}
